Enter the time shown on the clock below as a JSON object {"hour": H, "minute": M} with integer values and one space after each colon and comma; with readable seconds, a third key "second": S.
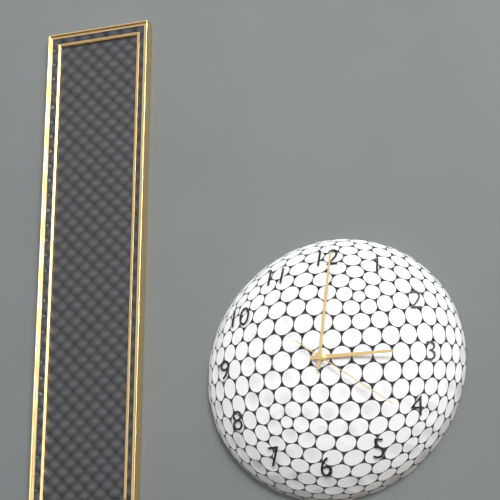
{"hour": 3, "minute": 1, "second": 21}
